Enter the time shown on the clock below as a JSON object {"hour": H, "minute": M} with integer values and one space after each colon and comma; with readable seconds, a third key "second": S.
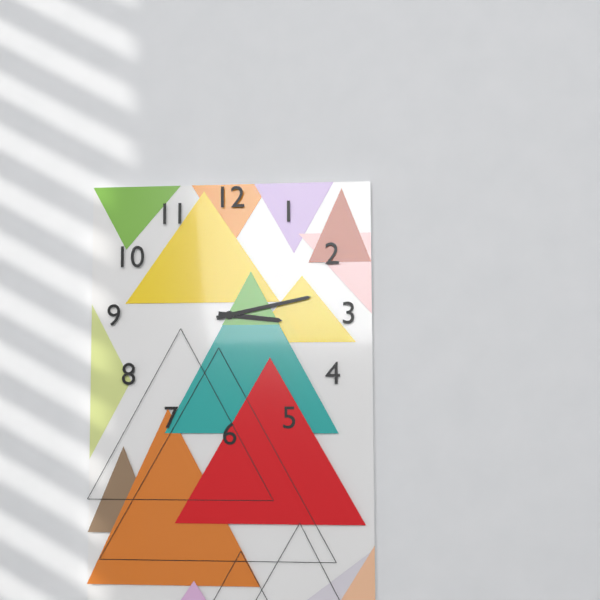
{"hour": 3, "minute": 13}
